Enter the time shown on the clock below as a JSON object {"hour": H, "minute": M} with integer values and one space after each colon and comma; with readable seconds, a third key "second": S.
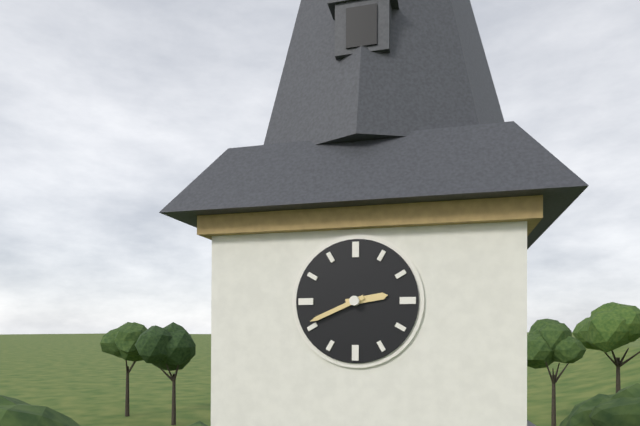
{"hour": 2, "minute": 41}
